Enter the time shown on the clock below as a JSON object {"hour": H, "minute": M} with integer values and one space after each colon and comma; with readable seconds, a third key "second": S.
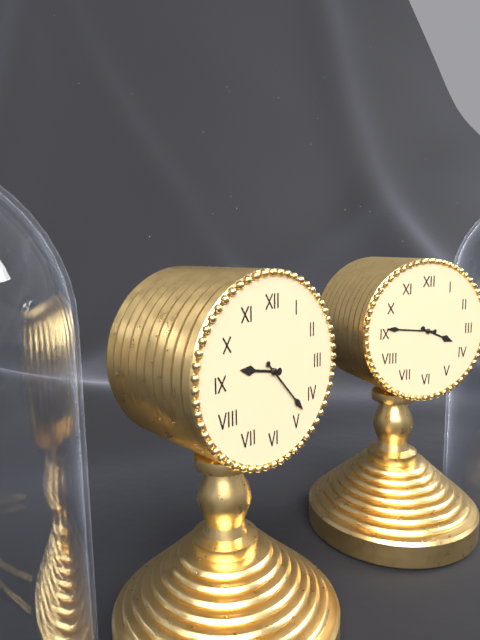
{"hour": 9, "minute": 23}
